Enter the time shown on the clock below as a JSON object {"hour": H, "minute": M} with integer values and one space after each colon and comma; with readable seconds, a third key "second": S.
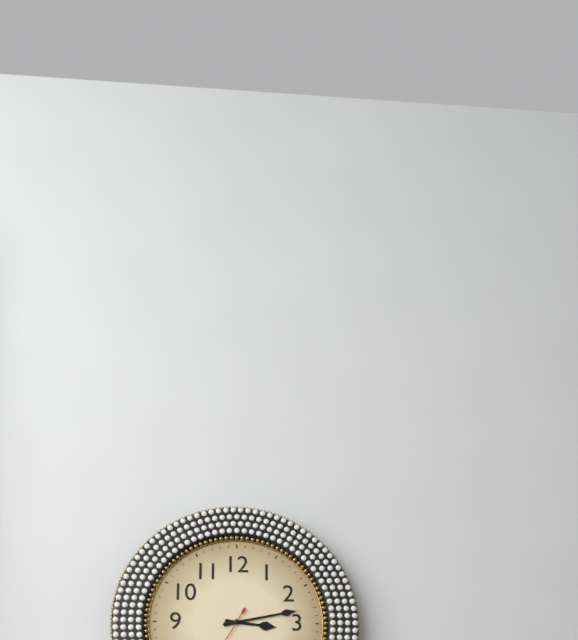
{"hour": 3, "minute": 13}
